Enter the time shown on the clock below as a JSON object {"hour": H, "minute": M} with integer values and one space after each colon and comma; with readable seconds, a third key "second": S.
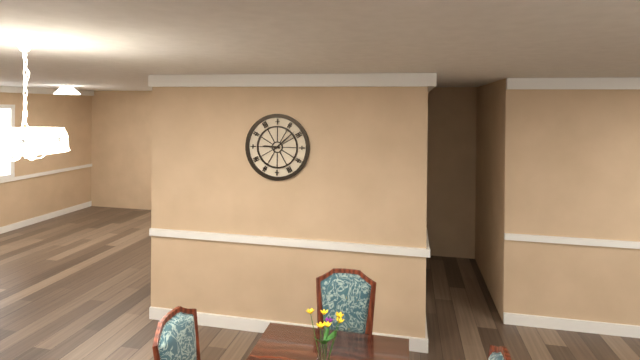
{"hour": 9, "minute": 8}
